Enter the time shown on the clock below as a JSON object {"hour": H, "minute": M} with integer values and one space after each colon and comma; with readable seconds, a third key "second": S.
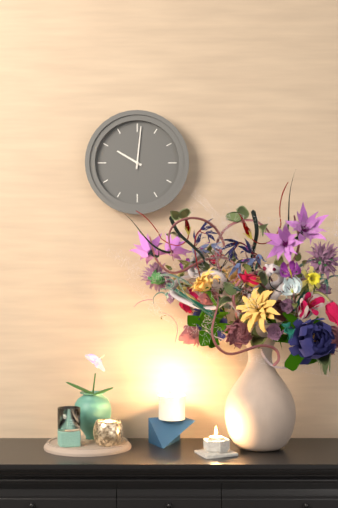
{"hour": 10, "minute": 1}
